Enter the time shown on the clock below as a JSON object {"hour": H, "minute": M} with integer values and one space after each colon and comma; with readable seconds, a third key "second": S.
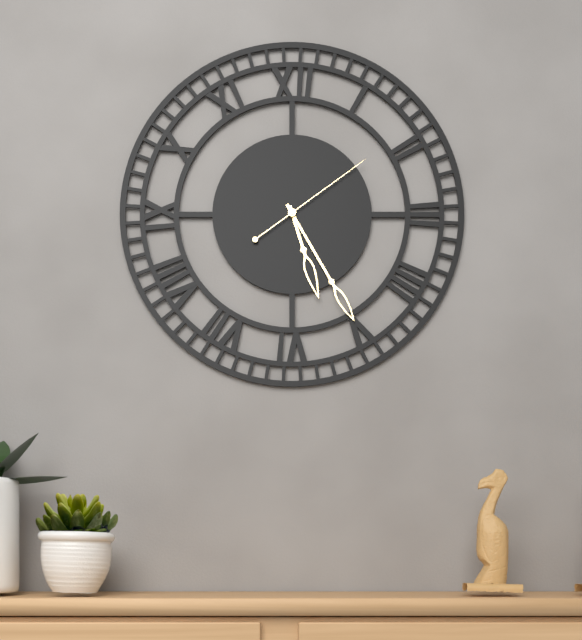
{"hour": 5, "minute": 25, "second": 9}
